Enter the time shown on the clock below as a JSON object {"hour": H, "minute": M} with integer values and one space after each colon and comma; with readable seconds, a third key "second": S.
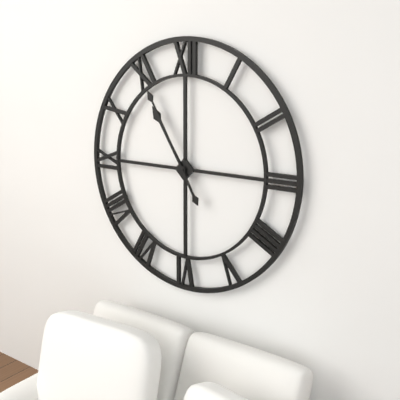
{"hour": 10, "minute": 55}
